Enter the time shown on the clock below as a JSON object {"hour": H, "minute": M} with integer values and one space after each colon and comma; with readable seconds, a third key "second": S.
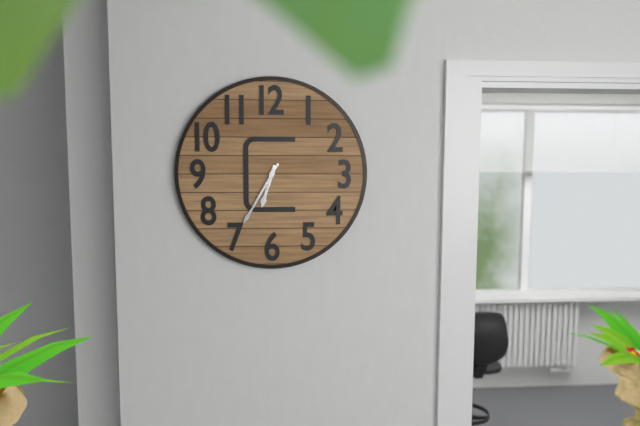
{"hour": 6, "minute": 35}
